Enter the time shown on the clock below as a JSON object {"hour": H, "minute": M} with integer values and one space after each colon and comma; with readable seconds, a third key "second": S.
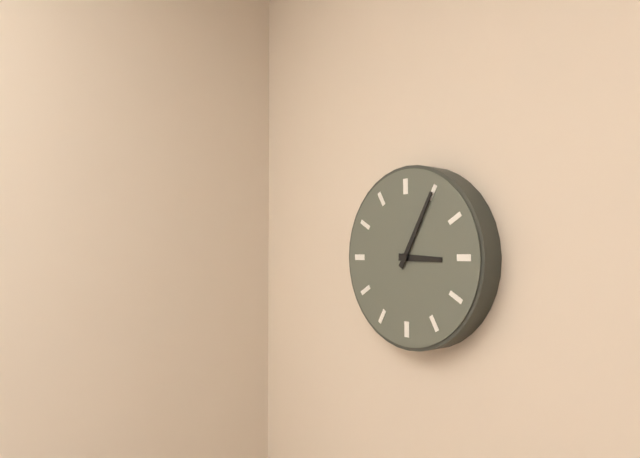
{"hour": 3, "minute": 5}
